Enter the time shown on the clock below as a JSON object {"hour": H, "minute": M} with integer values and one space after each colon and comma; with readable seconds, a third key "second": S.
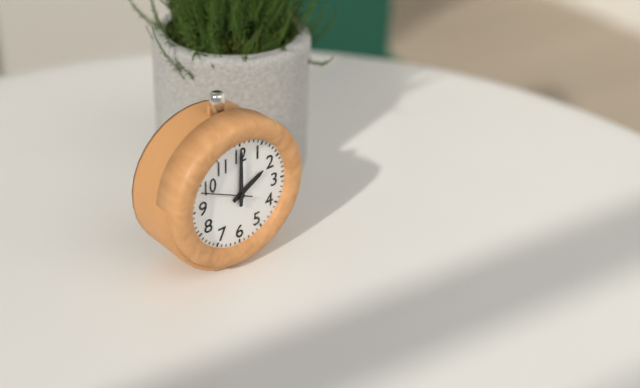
{"hour": 2, "minute": 0}
